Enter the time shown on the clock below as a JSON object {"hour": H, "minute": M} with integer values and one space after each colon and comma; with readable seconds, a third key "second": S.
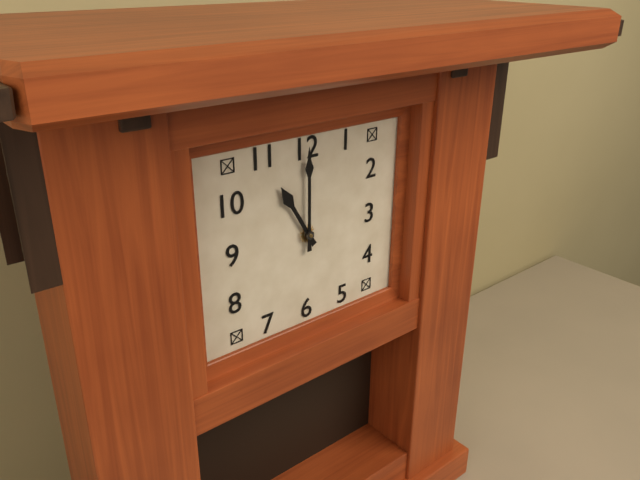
{"hour": 11, "minute": 0}
